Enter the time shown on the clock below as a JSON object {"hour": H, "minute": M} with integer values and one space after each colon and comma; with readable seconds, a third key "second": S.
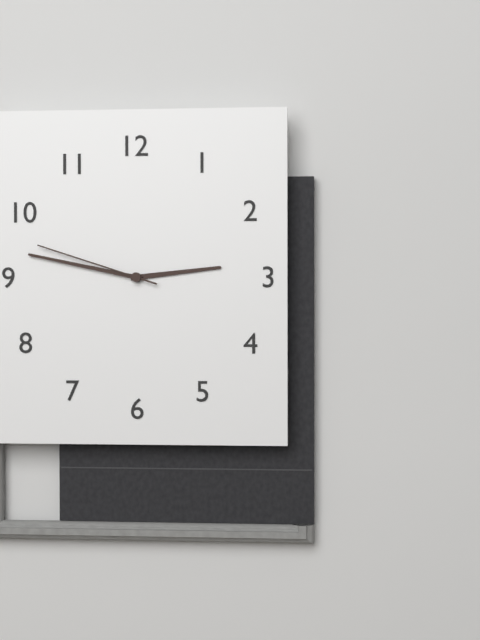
{"hour": 2, "minute": 47, "second": 48}
